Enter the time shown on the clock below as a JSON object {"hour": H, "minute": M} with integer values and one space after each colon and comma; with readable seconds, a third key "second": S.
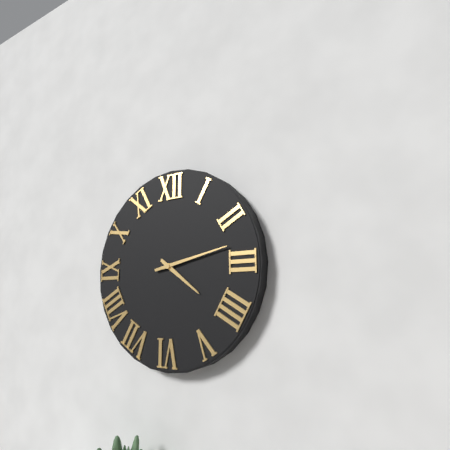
{"hour": 4, "minute": 13}
